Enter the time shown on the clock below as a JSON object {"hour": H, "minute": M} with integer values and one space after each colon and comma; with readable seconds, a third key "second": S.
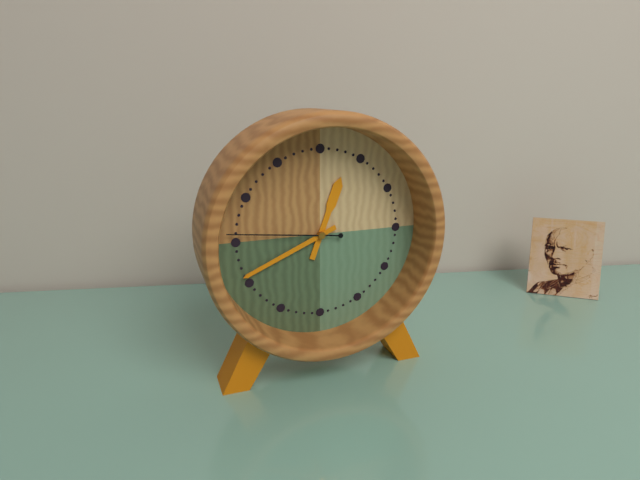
{"hour": 12, "minute": 41, "second": 46}
